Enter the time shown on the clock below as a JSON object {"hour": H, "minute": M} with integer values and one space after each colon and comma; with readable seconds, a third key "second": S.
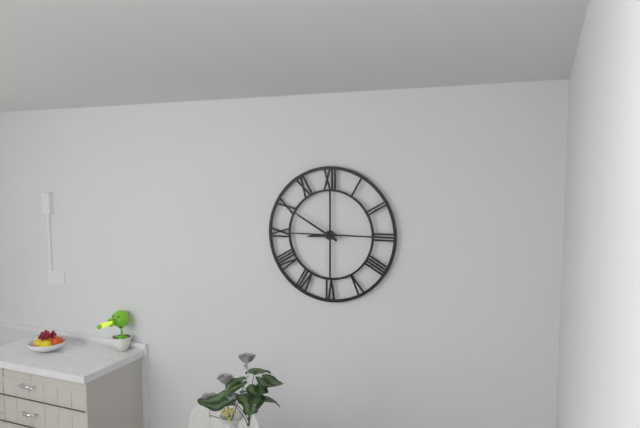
{"hour": 8, "minute": 50}
